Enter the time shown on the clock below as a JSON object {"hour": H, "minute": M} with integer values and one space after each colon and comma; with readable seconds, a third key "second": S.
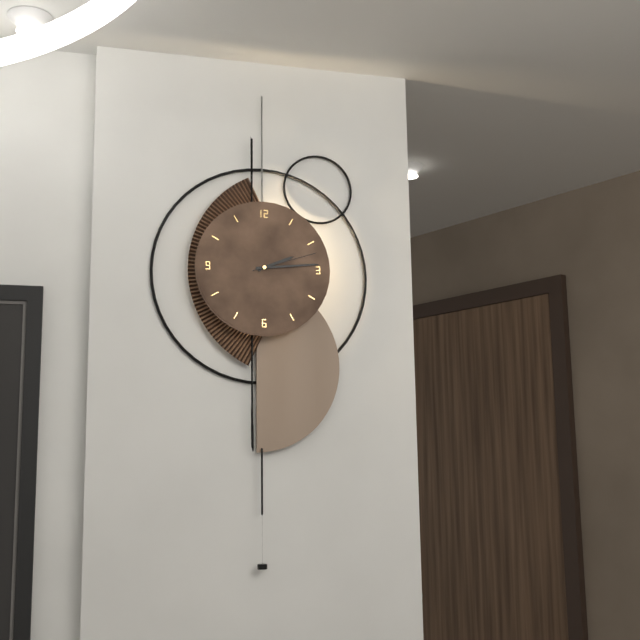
{"hour": 2, "minute": 14, "second": 12}
